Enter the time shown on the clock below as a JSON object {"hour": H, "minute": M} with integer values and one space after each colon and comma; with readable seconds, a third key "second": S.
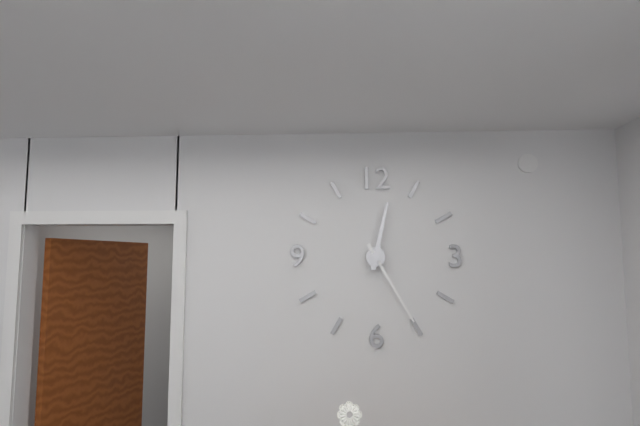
{"hour": 12, "minute": 25}
